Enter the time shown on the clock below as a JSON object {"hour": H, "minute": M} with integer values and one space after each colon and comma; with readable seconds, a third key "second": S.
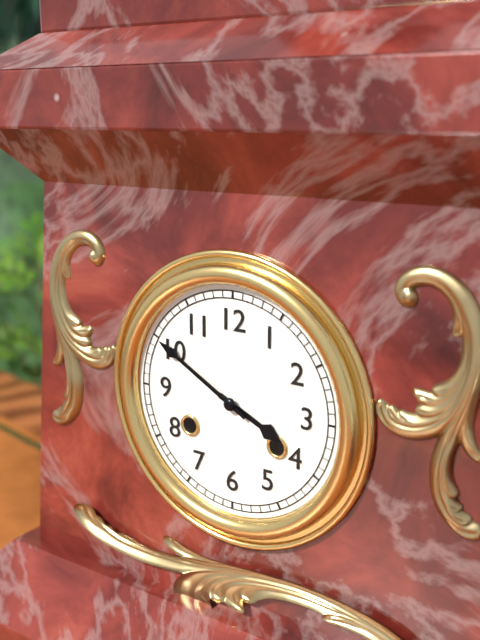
{"hour": 3, "minute": 50}
